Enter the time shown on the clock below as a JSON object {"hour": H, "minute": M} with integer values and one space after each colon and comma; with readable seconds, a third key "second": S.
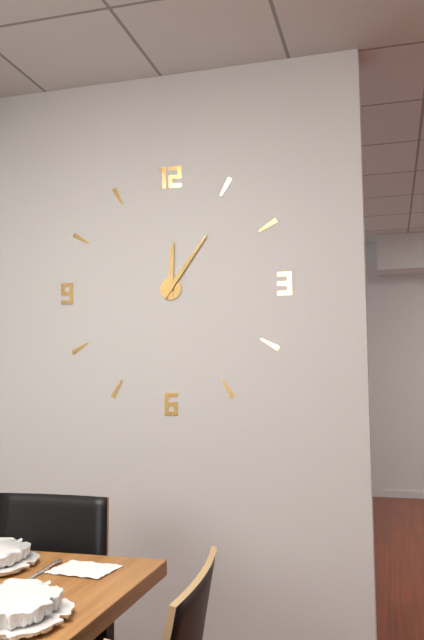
{"hour": 12, "minute": 6}
